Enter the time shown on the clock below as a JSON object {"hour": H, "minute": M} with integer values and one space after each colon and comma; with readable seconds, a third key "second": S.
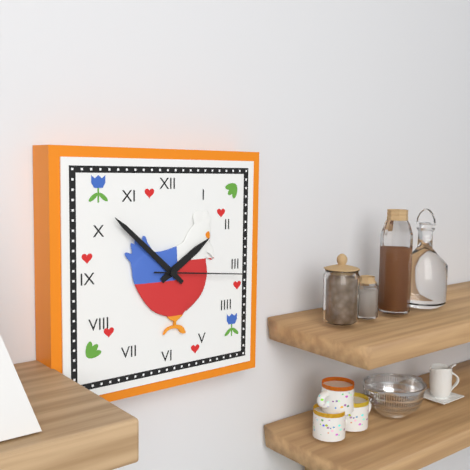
{"hour": 1, "minute": 52, "second": 16}
